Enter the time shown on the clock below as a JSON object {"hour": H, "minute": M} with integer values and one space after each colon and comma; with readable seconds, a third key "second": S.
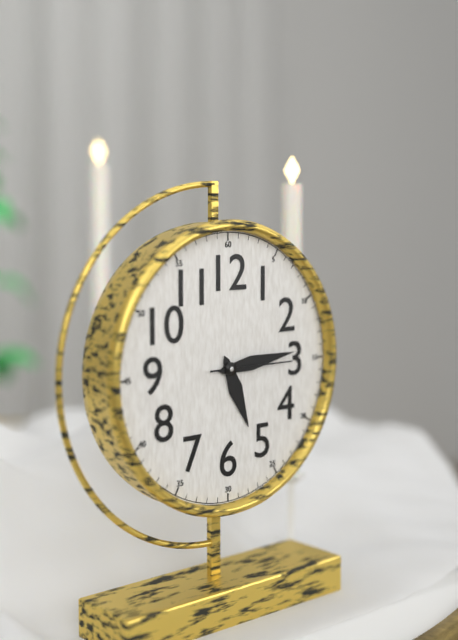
{"hour": 5, "minute": 14, "second": 15}
